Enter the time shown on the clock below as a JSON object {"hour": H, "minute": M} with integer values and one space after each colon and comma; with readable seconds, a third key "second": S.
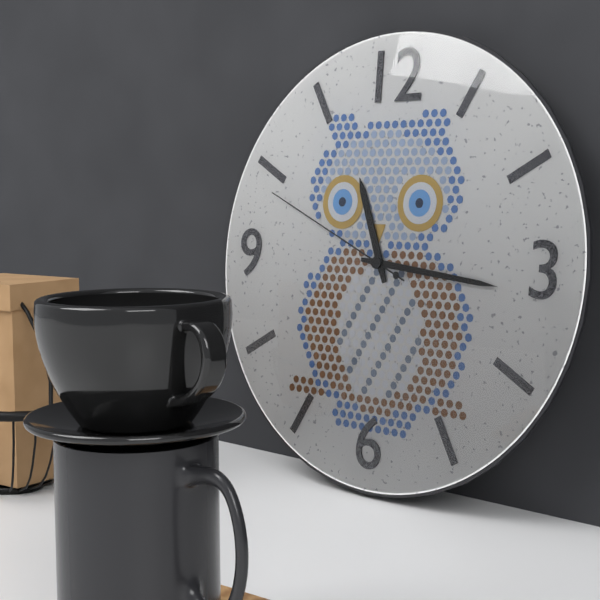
{"hour": 11, "minute": 16, "second": 49}
